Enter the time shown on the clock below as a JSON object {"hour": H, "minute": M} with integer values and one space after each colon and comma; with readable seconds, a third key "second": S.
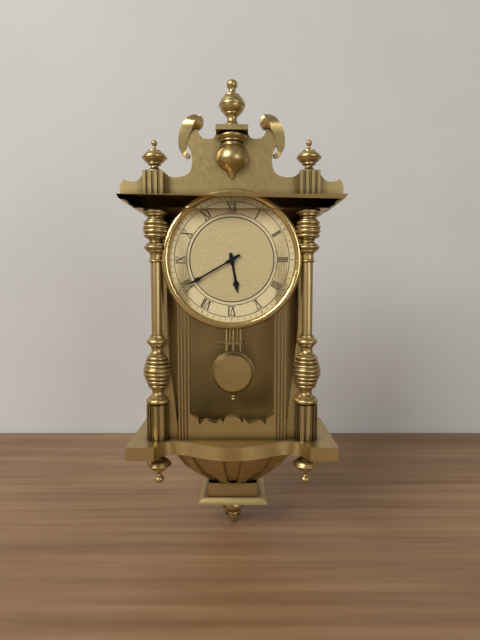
{"hour": 5, "minute": 40}
